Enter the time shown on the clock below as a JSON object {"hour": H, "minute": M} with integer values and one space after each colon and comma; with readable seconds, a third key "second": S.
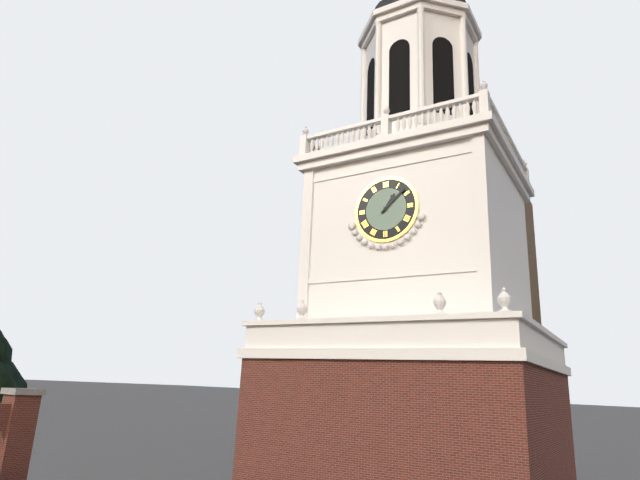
{"hour": 1, "minute": 8}
